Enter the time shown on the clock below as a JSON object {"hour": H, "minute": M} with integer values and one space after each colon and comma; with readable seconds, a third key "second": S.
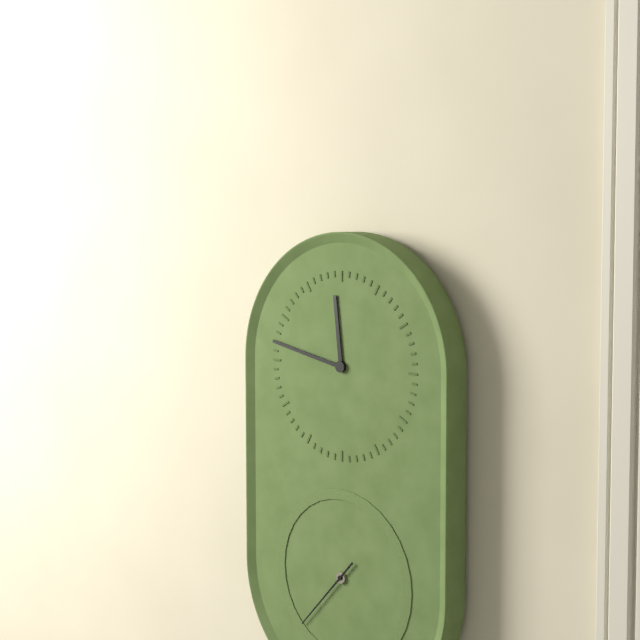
{"hour": 11, "minute": 47, "second": 37}
